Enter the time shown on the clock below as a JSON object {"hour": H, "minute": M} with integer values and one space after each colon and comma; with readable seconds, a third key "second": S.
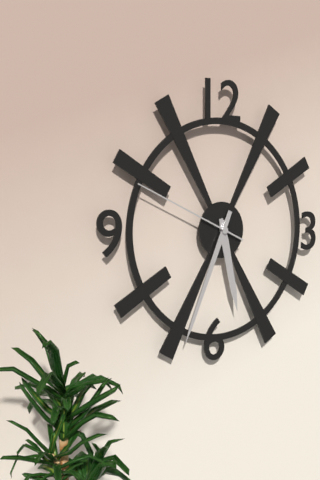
{"hour": 5, "minute": 34, "second": 49}
